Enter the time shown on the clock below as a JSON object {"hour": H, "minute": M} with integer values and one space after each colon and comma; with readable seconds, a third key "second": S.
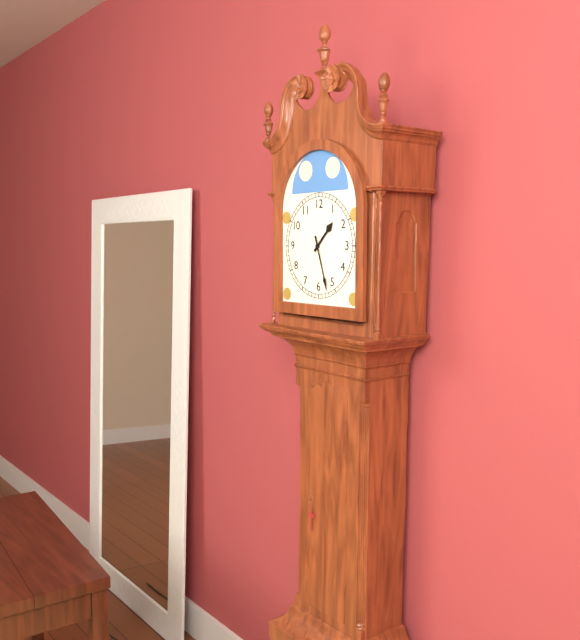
{"hour": 1, "minute": 27}
